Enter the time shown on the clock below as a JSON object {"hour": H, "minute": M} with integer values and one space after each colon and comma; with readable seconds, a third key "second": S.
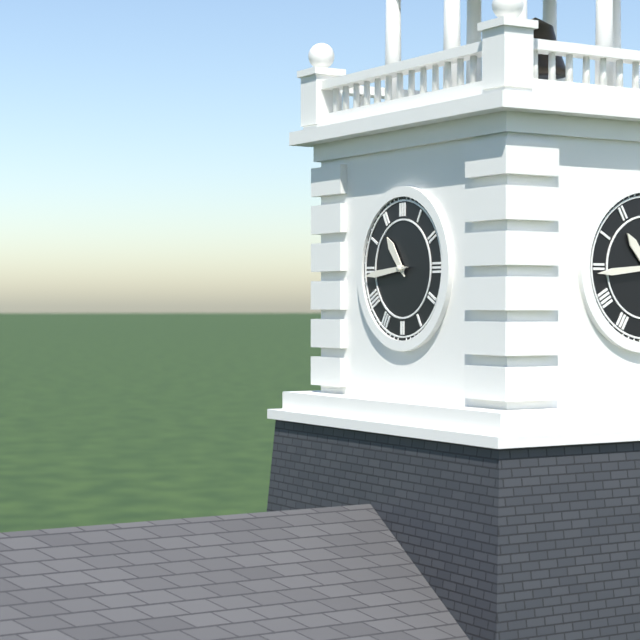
{"hour": 10, "minute": 44}
